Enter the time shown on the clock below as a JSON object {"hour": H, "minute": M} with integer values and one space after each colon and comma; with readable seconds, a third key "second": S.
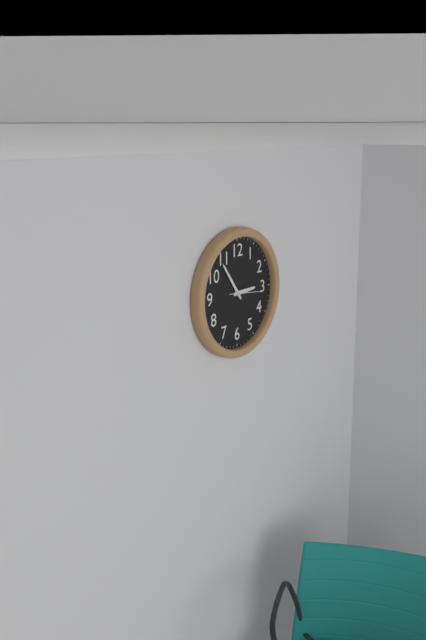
{"hour": 2, "minute": 54}
